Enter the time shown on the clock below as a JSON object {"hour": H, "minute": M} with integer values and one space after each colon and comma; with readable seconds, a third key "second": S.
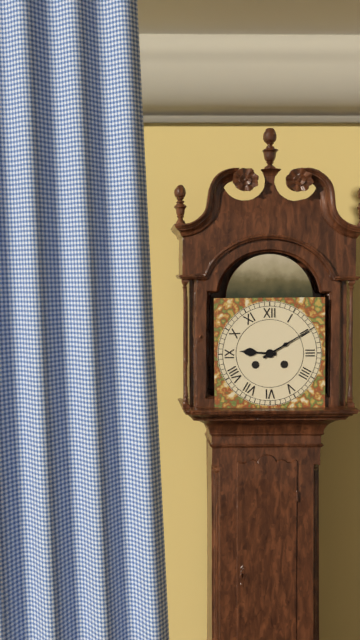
{"hour": 9, "minute": 10}
